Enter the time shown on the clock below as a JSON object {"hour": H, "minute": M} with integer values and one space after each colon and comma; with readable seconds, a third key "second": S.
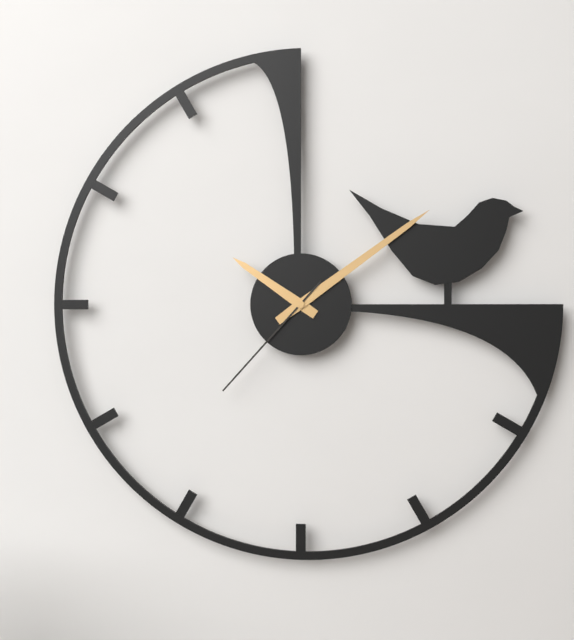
{"hour": 10, "minute": 9, "second": 37}
